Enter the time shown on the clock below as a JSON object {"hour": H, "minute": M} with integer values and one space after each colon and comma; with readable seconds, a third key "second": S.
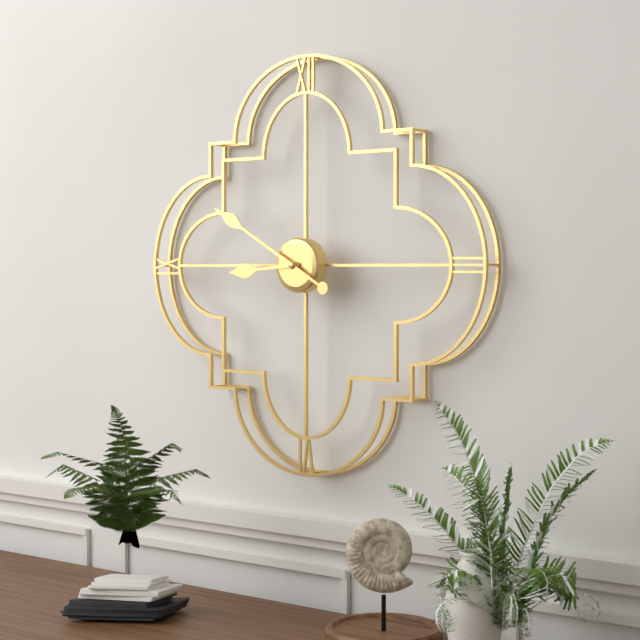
{"hour": 8, "minute": 50}
